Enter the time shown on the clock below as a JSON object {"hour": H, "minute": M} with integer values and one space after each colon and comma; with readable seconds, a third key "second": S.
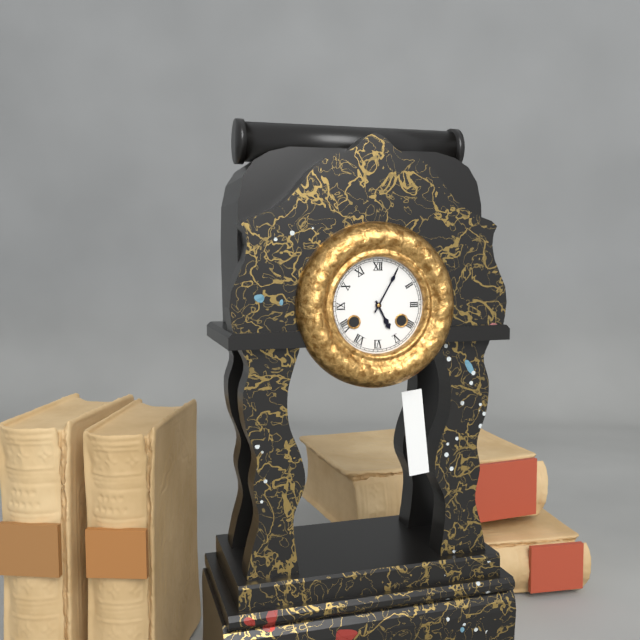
{"hour": 5, "minute": 5}
